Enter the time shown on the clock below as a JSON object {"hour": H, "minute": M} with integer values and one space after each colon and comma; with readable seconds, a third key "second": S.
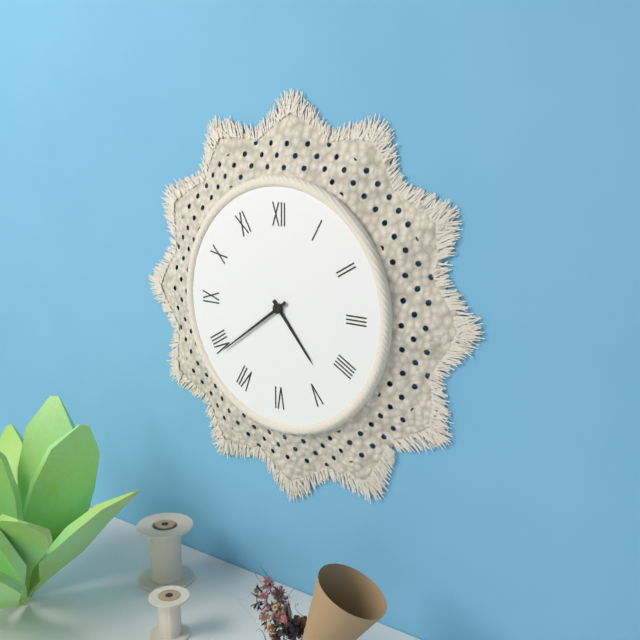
{"hour": 4, "minute": 39}
